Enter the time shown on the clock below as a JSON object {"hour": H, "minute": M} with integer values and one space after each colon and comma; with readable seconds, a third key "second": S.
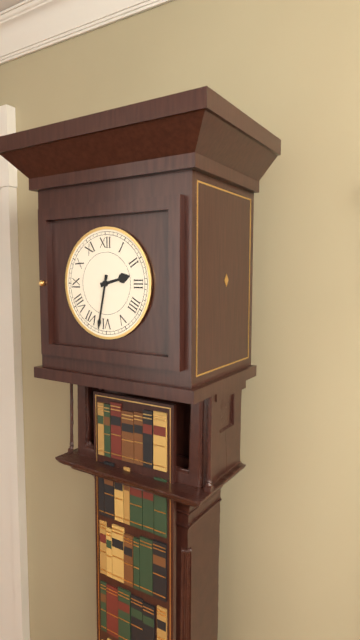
{"hour": 2, "minute": 32}
